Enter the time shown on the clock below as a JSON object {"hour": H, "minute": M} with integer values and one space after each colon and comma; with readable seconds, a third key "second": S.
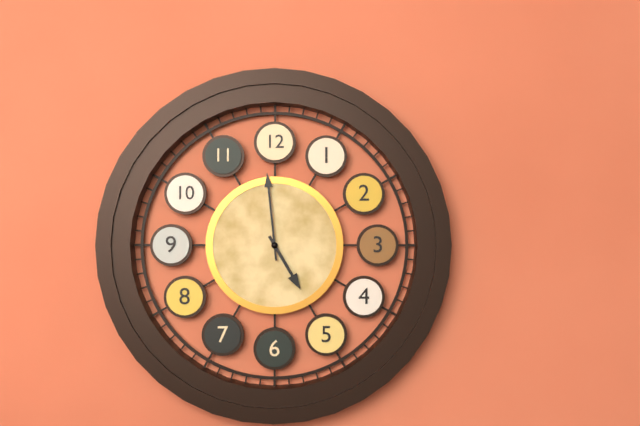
{"hour": 4, "minute": 59}
